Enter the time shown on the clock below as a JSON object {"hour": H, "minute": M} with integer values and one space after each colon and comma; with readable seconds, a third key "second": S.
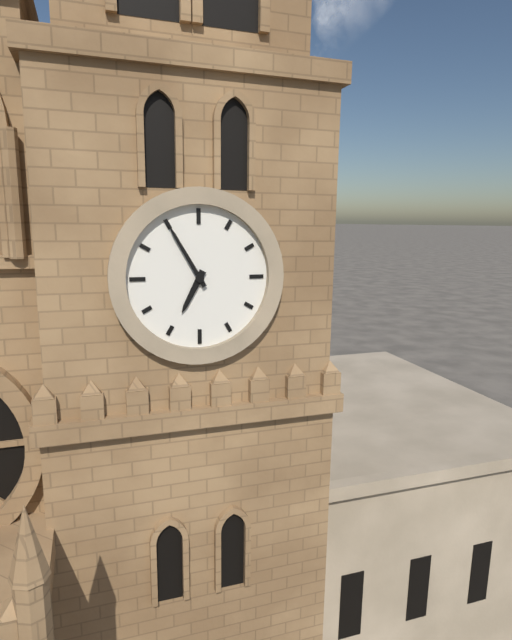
{"hour": 6, "minute": 55}
